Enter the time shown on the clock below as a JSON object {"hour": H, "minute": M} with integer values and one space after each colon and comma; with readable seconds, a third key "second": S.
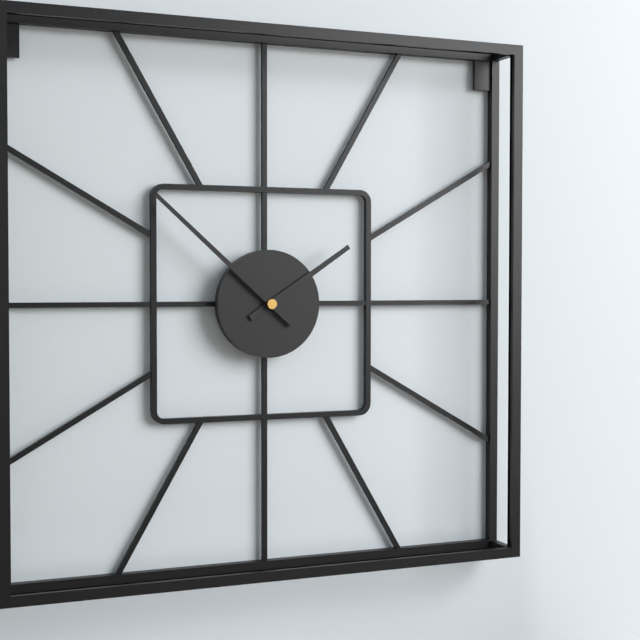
{"hour": 1, "minute": 52}
